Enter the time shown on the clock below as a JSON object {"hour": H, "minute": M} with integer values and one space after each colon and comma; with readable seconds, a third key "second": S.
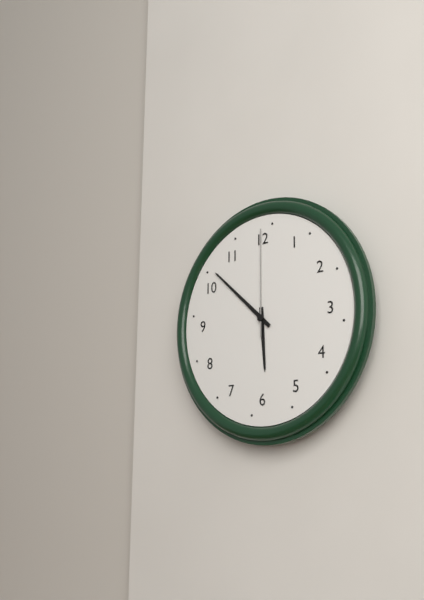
{"hour": 5, "minute": 52, "second": 0}
